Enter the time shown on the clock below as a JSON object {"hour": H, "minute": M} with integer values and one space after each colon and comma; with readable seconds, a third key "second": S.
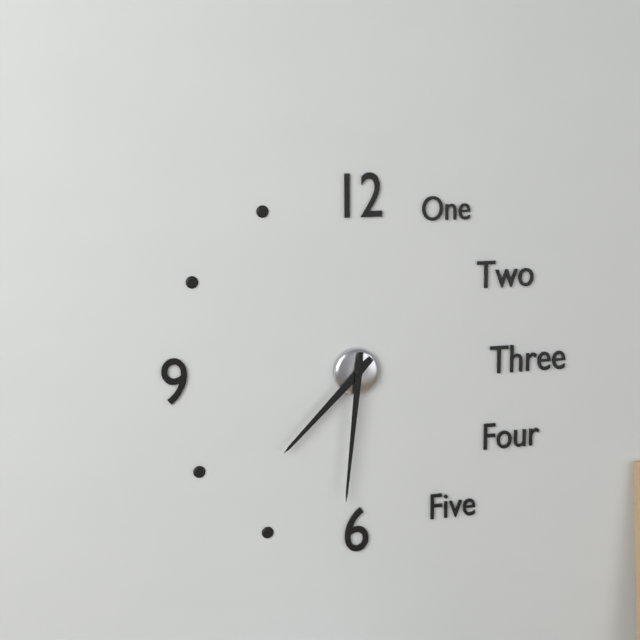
{"hour": 7, "minute": 31}
